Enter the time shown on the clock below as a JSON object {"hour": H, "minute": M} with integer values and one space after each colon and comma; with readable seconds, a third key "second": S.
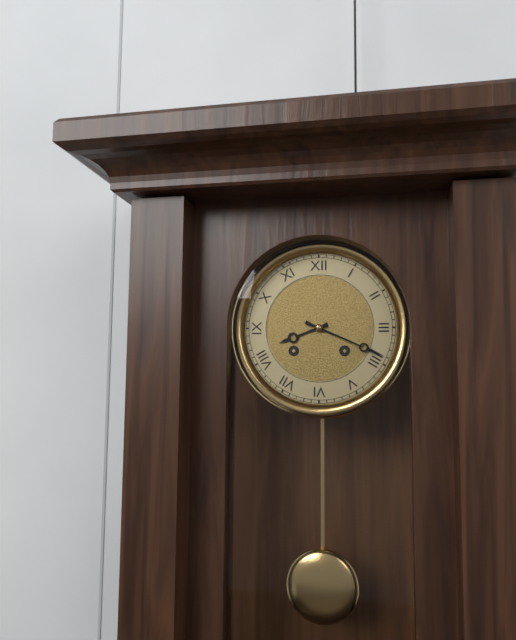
{"hour": 8, "minute": 19}
